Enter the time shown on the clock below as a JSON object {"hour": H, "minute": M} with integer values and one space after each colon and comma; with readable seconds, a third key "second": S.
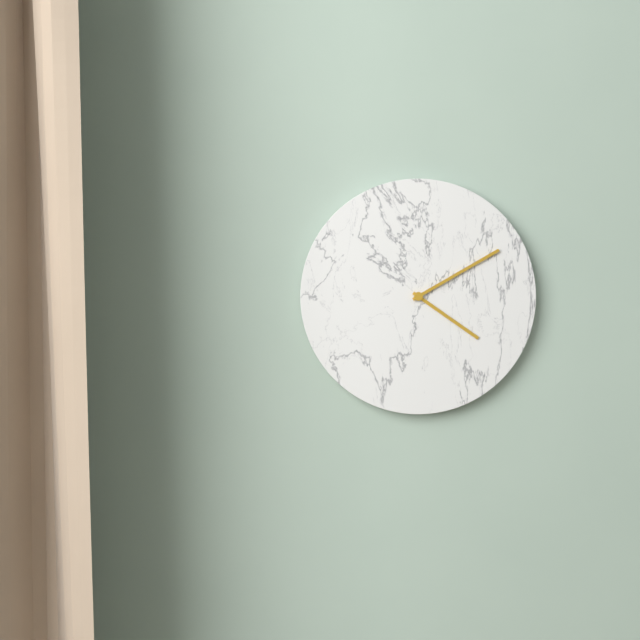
{"hour": 4, "minute": 10}
